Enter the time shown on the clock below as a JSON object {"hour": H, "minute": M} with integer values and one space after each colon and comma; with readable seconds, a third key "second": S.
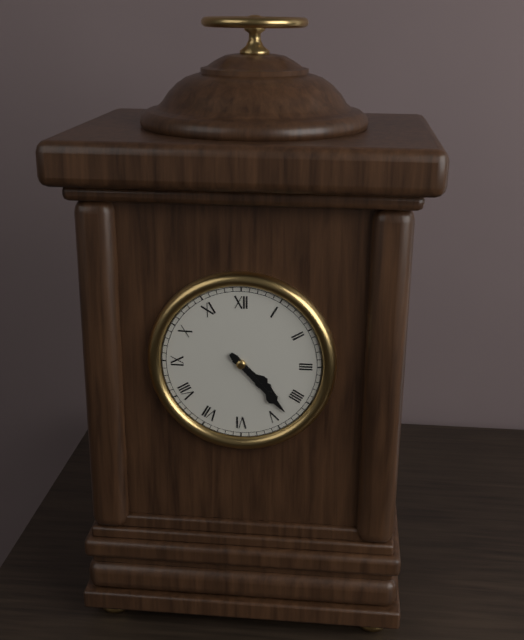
{"hour": 4, "minute": 23}
